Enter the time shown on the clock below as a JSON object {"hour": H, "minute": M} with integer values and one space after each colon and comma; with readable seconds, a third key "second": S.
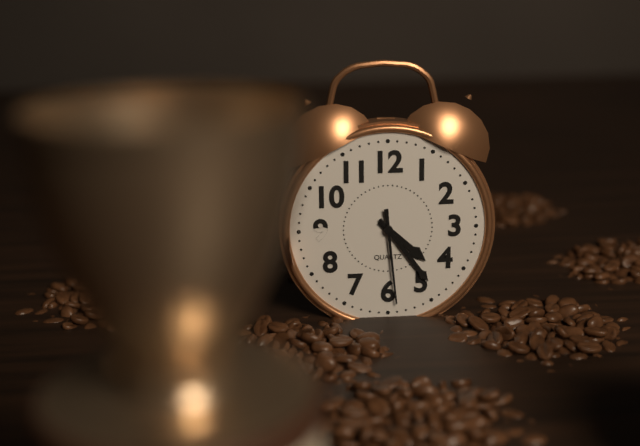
{"hour": 4, "minute": 24, "second": 29}
